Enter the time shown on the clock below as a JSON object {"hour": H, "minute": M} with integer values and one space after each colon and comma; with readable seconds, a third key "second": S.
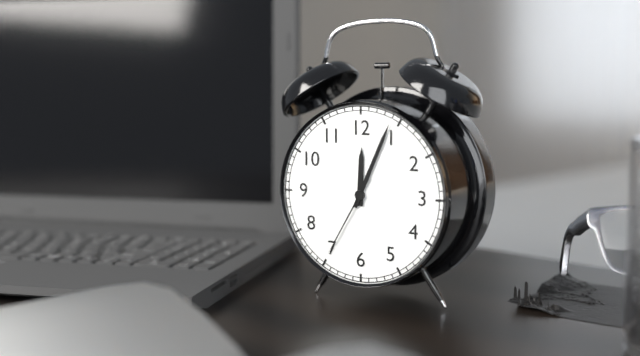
{"hour": 12, "minute": 4, "second": 35}
